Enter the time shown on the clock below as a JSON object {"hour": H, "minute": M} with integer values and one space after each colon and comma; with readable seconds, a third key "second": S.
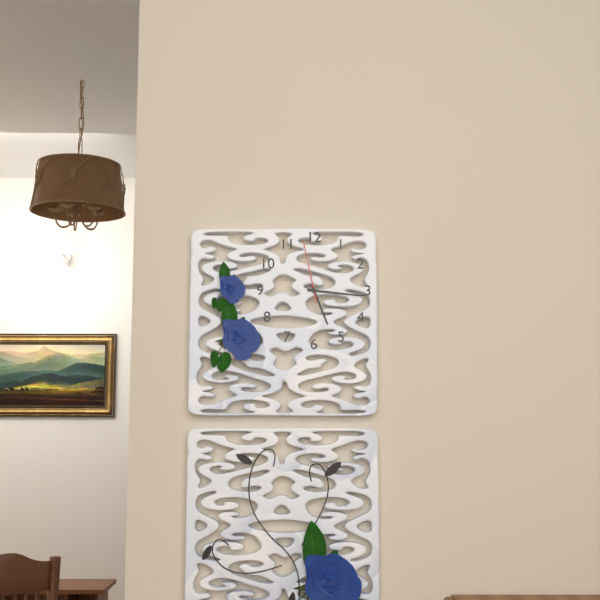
{"hour": 5, "minute": 16, "second": 58}
